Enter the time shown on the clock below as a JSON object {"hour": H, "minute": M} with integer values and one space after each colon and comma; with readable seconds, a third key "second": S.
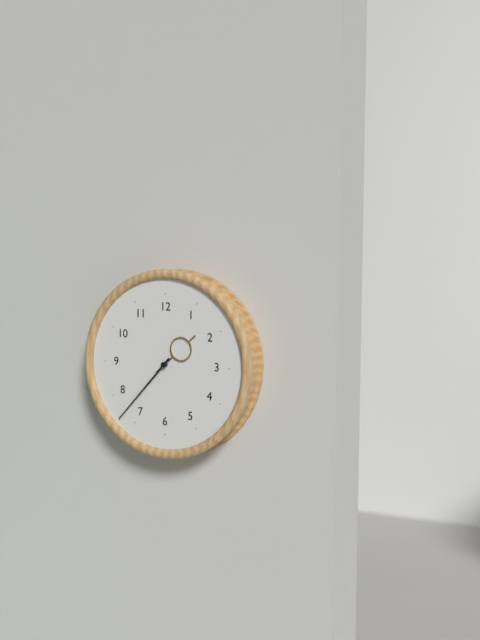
{"hour": 1, "minute": 37}
